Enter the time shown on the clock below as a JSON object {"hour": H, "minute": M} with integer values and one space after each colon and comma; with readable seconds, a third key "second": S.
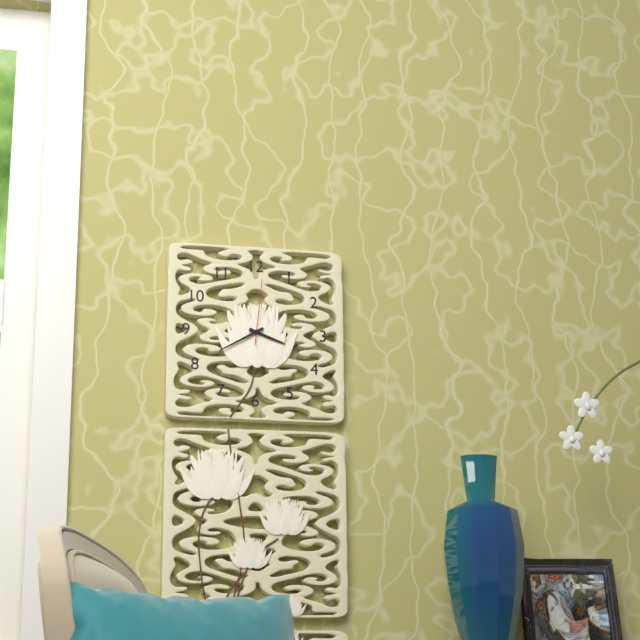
{"hour": 3, "minute": 40, "second": 1}
